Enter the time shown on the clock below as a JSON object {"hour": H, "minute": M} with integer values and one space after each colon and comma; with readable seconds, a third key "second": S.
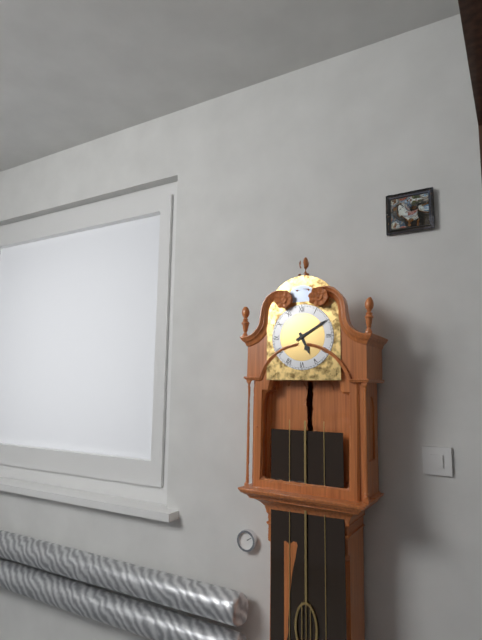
{"hour": 5, "minute": 10}
